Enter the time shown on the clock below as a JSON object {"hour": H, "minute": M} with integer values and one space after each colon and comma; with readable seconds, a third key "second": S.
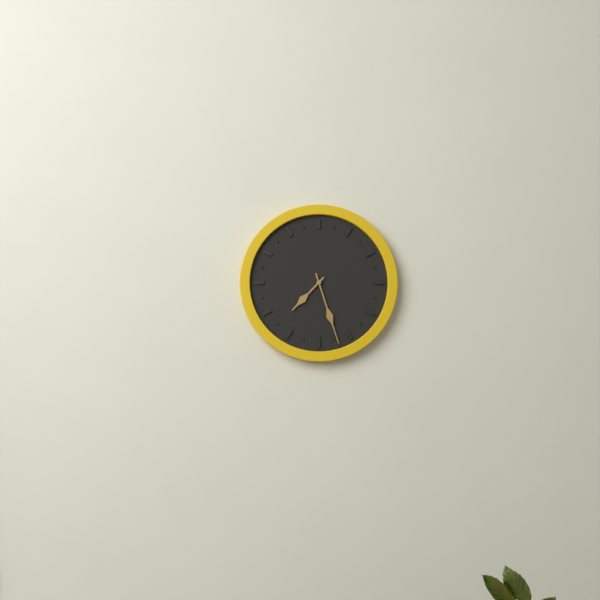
{"hour": 7, "minute": 27}
